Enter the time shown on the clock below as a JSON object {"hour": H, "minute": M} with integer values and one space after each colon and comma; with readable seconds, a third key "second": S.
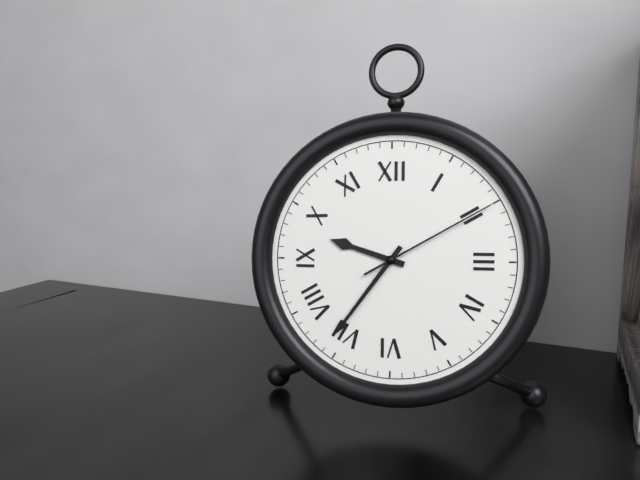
{"hour": 9, "minute": 36, "second": 10}
